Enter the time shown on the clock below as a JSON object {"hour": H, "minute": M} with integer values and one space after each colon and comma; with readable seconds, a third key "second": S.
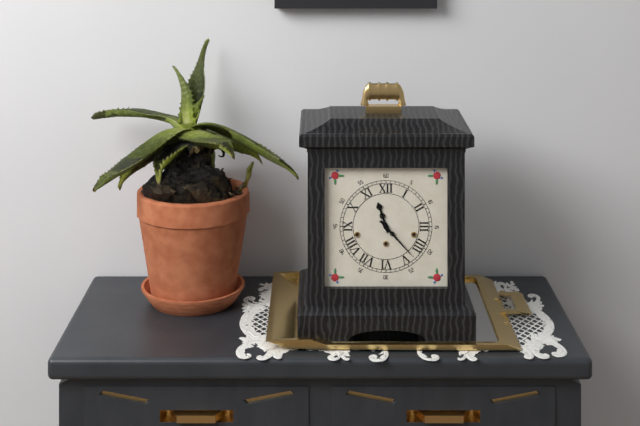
{"hour": 11, "minute": 23}
